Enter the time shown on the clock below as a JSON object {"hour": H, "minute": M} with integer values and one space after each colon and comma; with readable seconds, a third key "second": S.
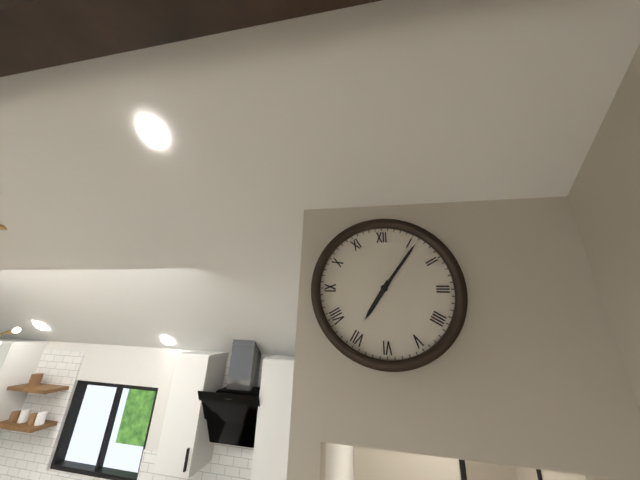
{"hour": 7, "minute": 6}
